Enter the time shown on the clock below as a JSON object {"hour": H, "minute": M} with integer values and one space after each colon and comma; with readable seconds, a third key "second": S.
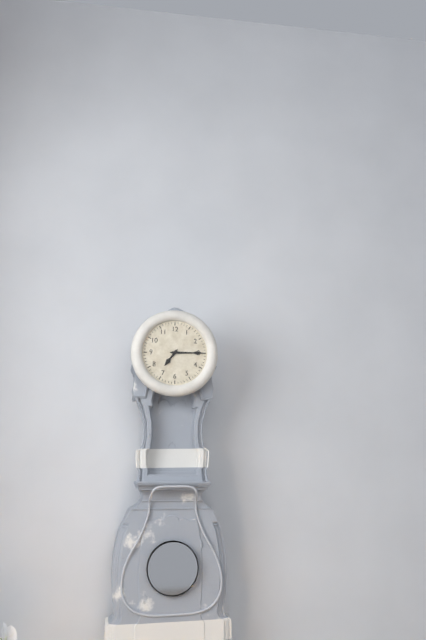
{"hour": 7, "minute": 15}
